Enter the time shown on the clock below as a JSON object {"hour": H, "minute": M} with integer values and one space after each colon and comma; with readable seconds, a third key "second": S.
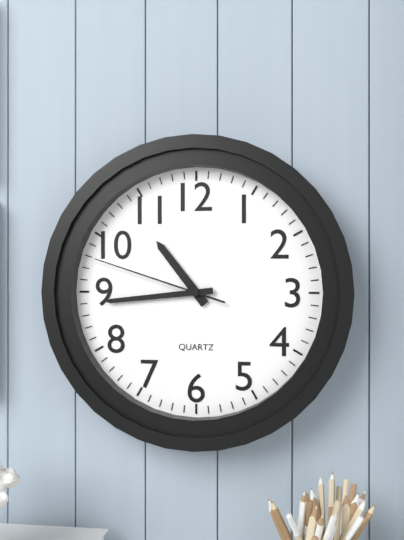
{"hour": 10, "minute": 44, "second": 48}
